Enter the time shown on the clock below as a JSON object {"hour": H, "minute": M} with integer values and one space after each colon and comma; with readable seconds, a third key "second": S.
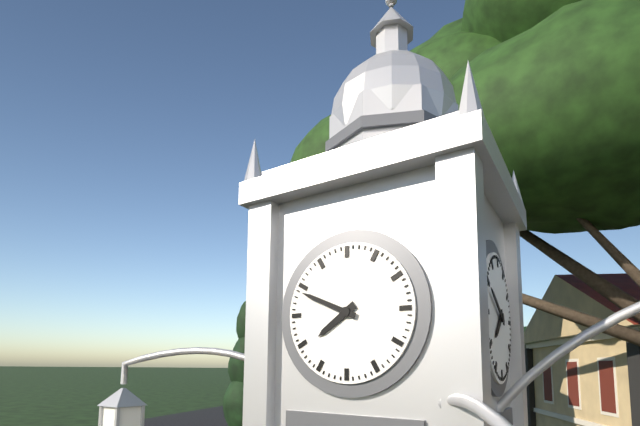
{"hour": 7, "minute": 49}
